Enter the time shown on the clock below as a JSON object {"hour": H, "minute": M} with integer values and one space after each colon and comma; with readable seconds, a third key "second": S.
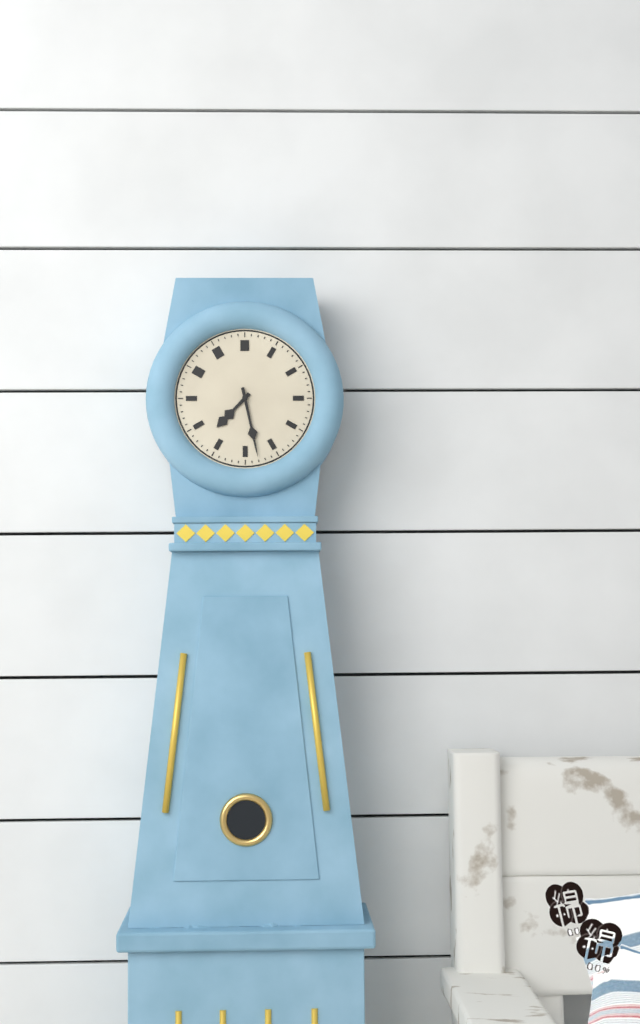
{"hour": 7, "minute": 28}
